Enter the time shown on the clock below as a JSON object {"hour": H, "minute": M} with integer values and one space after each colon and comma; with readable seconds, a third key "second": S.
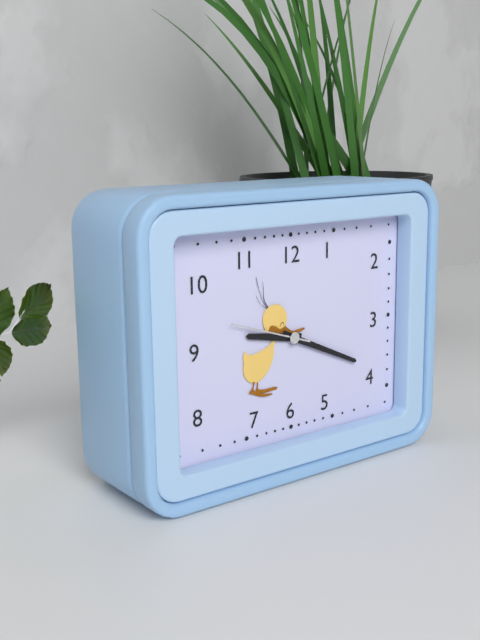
{"hour": 9, "minute": 19, "second": 48}
